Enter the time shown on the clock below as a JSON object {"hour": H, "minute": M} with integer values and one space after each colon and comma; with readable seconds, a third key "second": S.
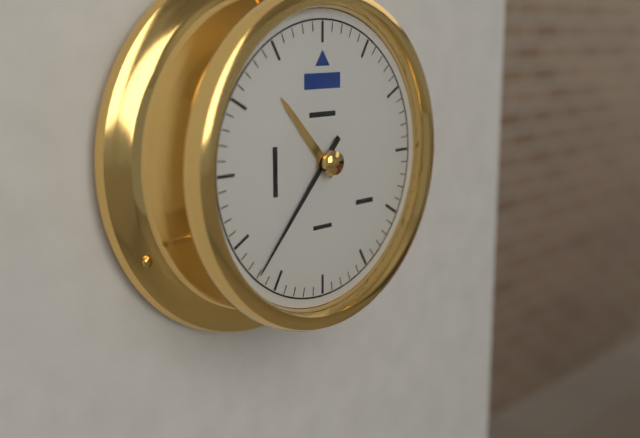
{"hour": 10, "minute": 37}
